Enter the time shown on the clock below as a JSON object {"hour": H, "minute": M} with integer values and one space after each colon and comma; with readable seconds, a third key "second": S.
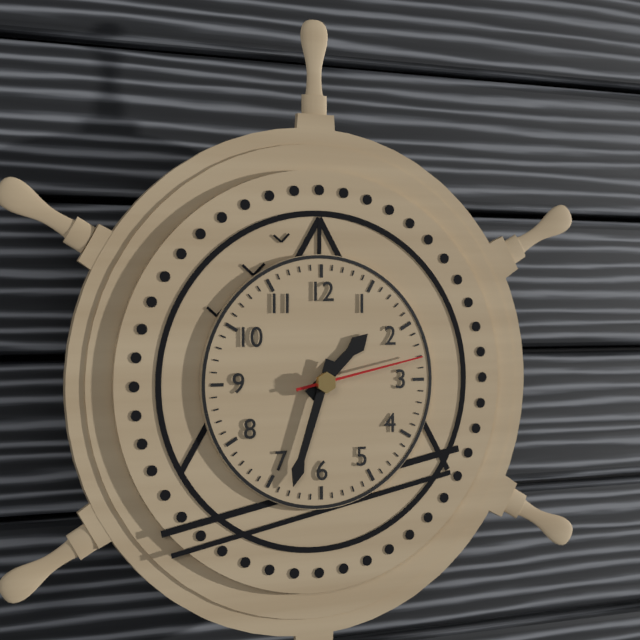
{"hour": 1, "minute": 33, "second": 13}
